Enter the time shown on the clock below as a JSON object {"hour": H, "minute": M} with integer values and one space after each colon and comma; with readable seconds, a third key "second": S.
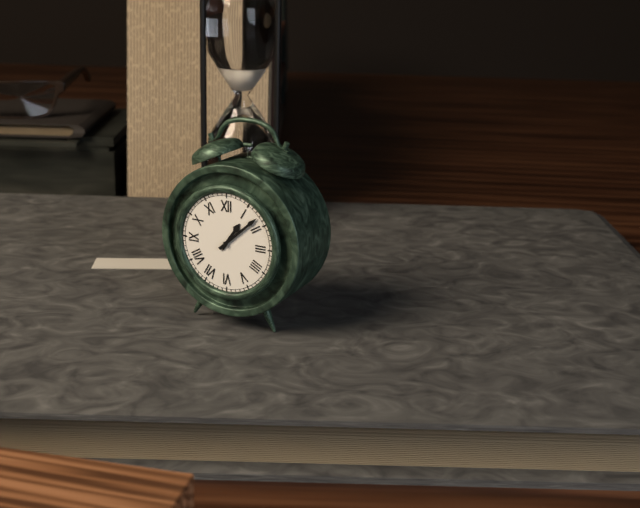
{"hour": 1, "minute": 8}
